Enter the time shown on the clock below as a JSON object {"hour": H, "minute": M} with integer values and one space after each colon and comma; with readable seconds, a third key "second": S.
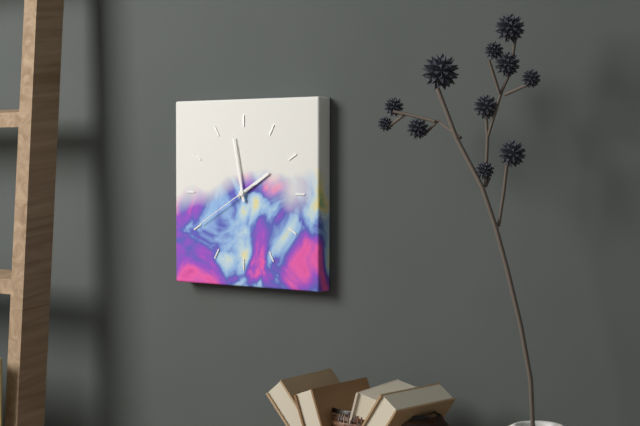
{"hour": 1, "minute": 58, "second": 40}
